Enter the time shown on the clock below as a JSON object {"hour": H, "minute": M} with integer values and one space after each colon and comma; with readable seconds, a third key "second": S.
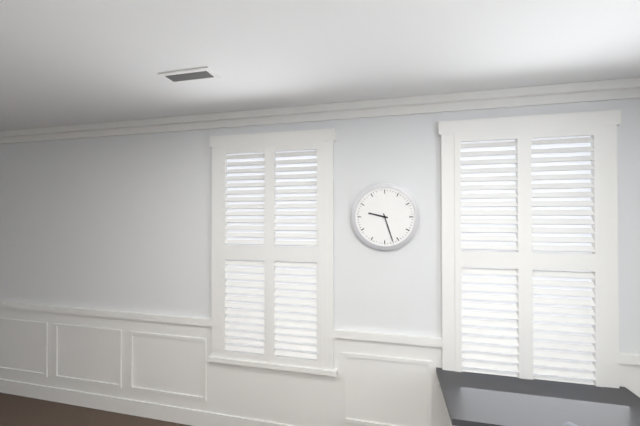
{"hour": 9, "minute": 27}
